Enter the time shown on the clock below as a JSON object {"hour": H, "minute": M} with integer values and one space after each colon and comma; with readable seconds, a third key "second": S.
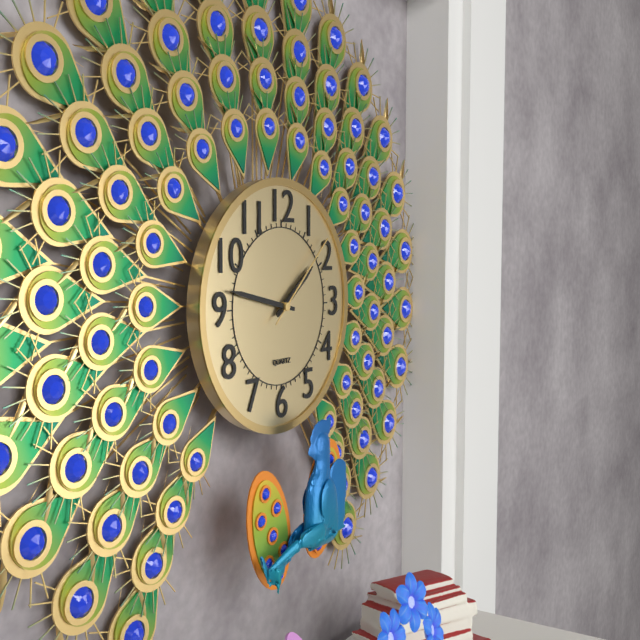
{"hour": 1, "minute": 47, "second": 8}
